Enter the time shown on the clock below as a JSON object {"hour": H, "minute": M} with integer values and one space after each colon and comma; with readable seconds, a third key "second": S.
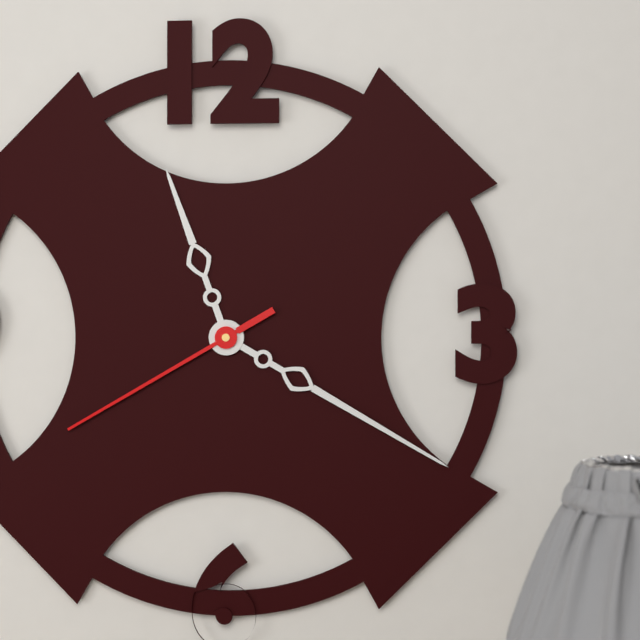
{"hour": 11, "minute": 20, "second": 40}
